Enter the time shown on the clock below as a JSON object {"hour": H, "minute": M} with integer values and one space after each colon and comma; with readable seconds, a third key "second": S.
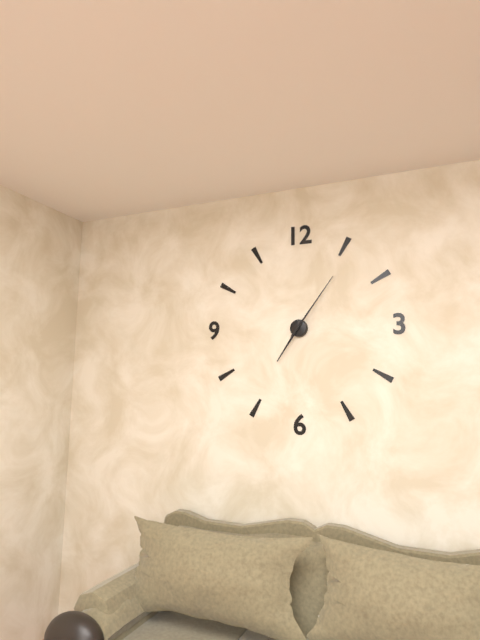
{"hour": 7, "minute": 6}
